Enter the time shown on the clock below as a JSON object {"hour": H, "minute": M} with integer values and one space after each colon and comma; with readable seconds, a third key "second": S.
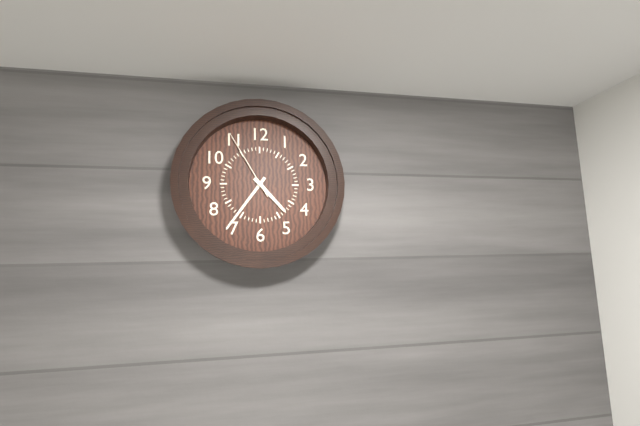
{"hour": 4, "minute": 36, "second": 55}
